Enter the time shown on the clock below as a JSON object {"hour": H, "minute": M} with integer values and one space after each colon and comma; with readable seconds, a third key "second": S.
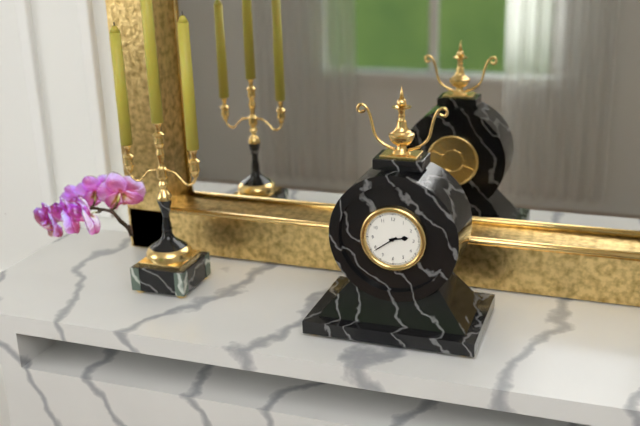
{"hour": 2, "minute": 39}
